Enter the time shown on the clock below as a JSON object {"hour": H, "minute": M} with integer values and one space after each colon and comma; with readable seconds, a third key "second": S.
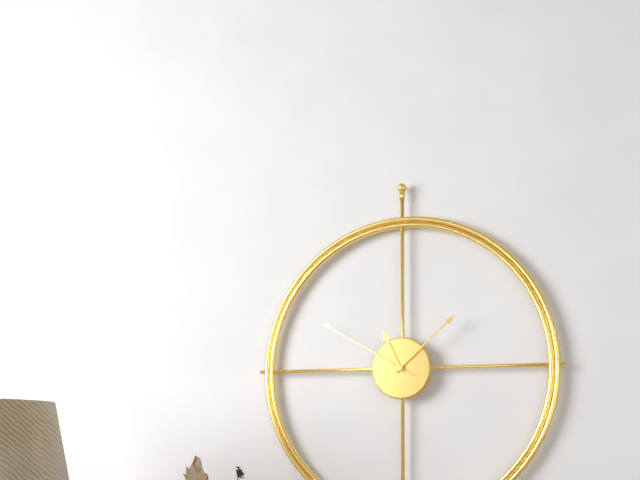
{"hour": 11, "minute": 8, "second": 50}
